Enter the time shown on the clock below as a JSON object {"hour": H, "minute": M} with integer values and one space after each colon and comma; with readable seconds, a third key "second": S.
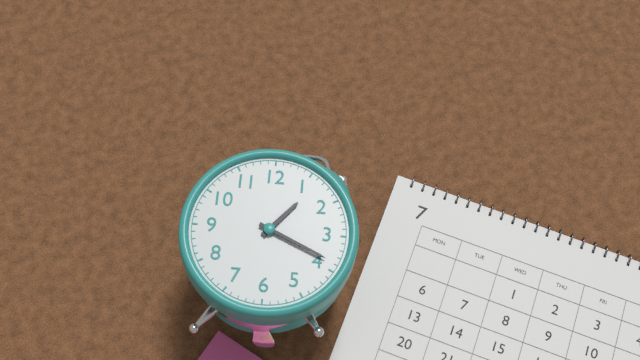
{"hour": 1, "minute": 19}
